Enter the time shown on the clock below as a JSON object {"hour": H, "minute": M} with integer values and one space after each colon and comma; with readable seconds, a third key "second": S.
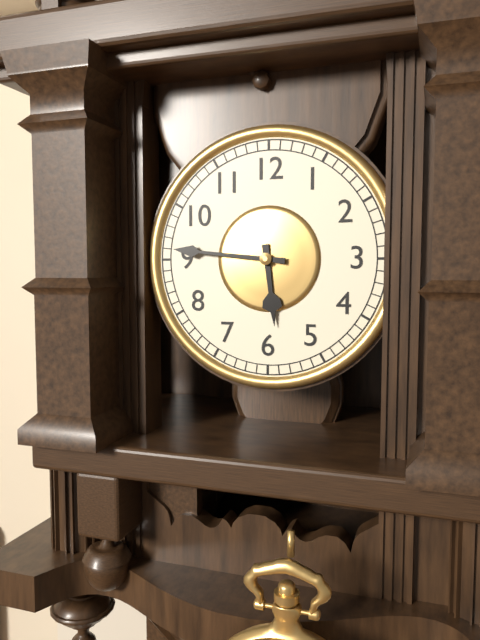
{"hour": 5, "minute": 46}
